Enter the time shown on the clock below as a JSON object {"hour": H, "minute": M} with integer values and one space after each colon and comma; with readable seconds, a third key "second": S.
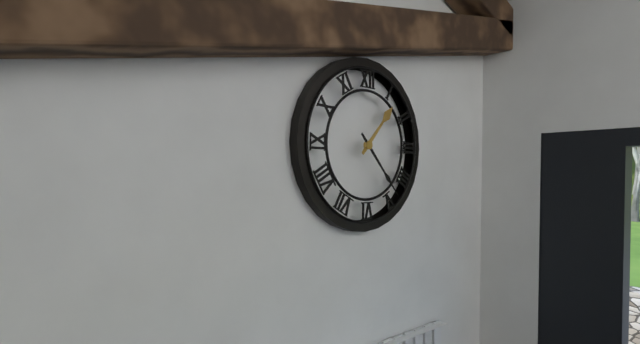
{"hour": 1, "minute": 23}
